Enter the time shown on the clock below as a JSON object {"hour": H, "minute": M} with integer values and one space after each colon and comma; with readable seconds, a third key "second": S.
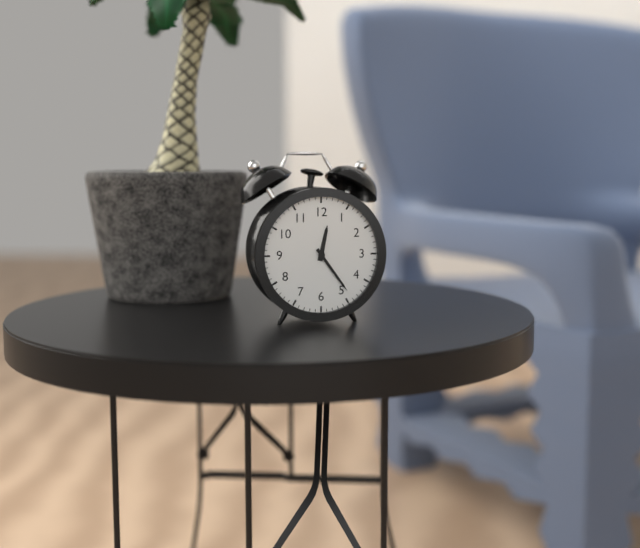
{"hour": 12, "minute": 24}
